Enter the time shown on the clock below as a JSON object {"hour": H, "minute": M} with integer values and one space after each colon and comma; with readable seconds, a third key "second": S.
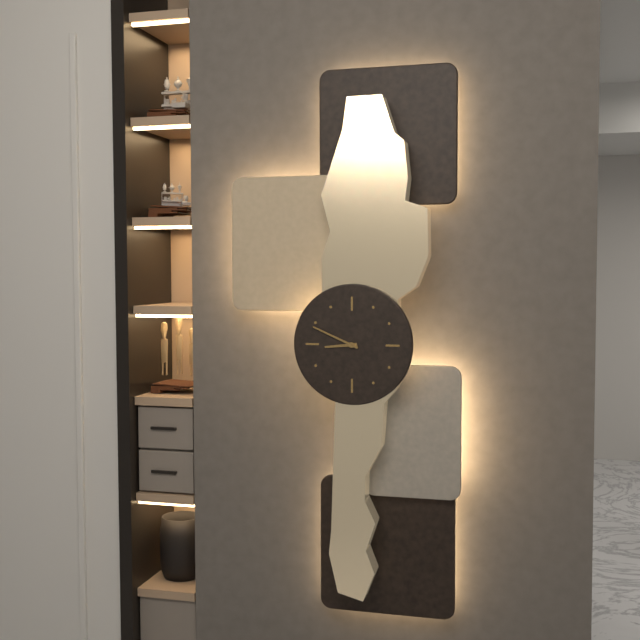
{"hour": 8, "minute": 49}
